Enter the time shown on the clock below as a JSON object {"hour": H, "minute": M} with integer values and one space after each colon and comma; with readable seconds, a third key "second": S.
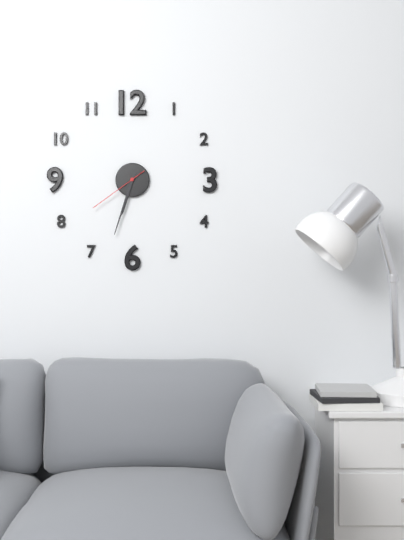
{"hour": 6, "minute": 33, "second": 39}
